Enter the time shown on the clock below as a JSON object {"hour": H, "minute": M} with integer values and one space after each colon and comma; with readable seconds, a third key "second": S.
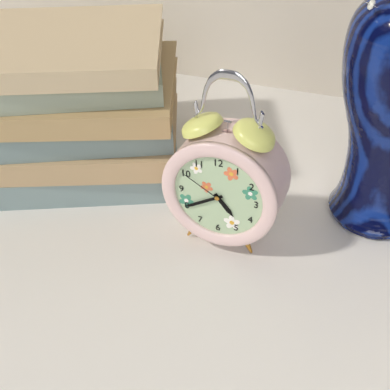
{"hour": 4, "minute": 40, "second": 50}
